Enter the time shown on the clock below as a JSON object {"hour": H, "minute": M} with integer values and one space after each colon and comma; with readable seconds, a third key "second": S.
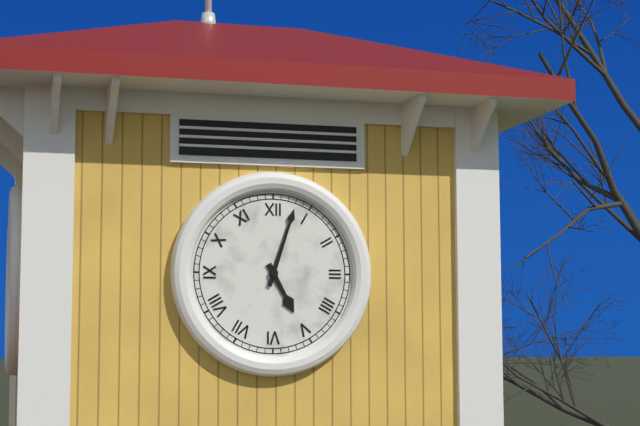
{"hour": 5, "minute": 3}
